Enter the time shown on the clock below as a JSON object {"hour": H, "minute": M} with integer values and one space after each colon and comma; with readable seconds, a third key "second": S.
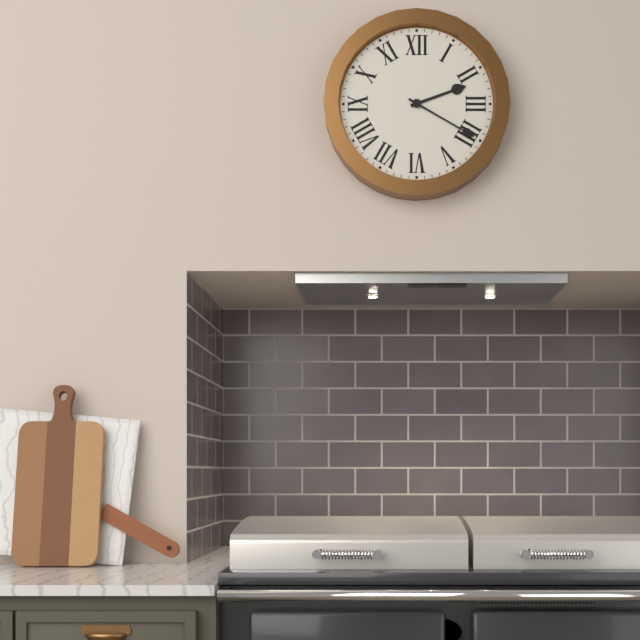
{"hour": 2, "minute": 20}
